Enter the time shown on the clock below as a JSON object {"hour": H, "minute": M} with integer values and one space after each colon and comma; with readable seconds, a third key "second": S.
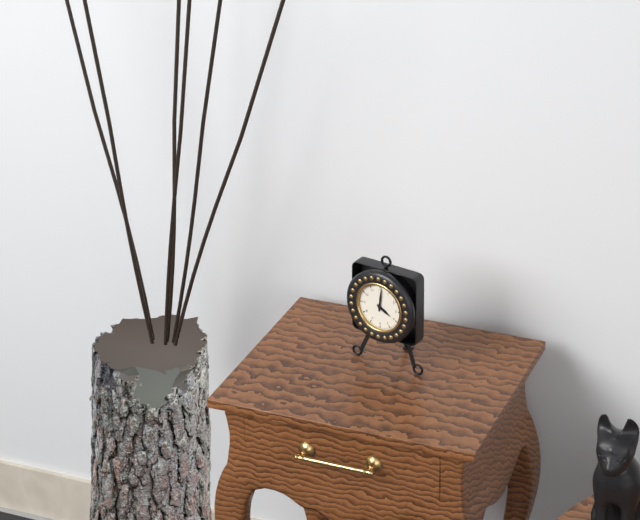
{"hour": 4, "minute": 1}
